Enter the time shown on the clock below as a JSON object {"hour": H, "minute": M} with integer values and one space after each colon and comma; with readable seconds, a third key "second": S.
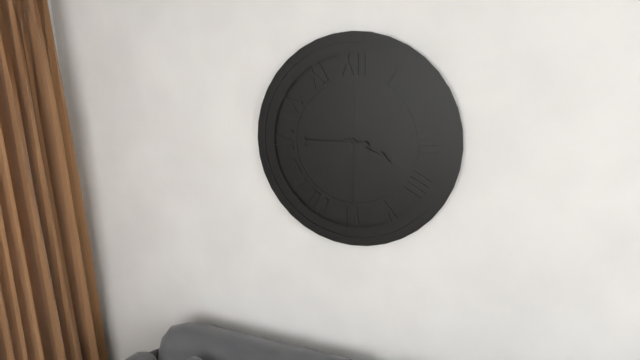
{"hour": 3, "minute": 45}
